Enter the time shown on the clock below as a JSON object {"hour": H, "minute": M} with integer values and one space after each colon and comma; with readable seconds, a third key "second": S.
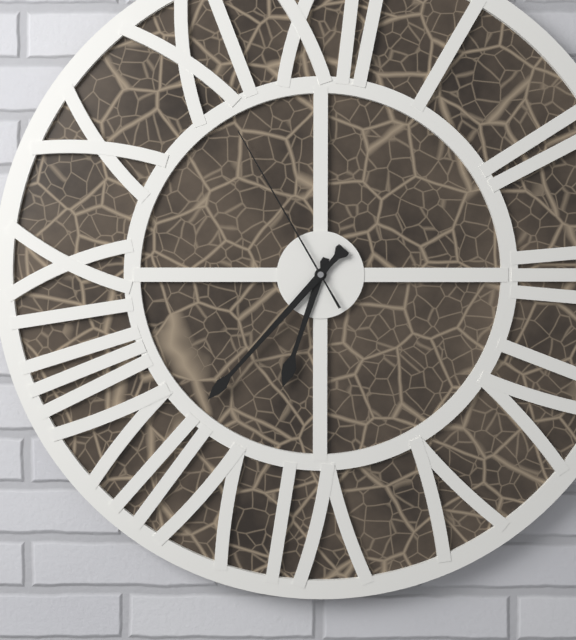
{"hour": 6, "minute": 37, "second": 55}
